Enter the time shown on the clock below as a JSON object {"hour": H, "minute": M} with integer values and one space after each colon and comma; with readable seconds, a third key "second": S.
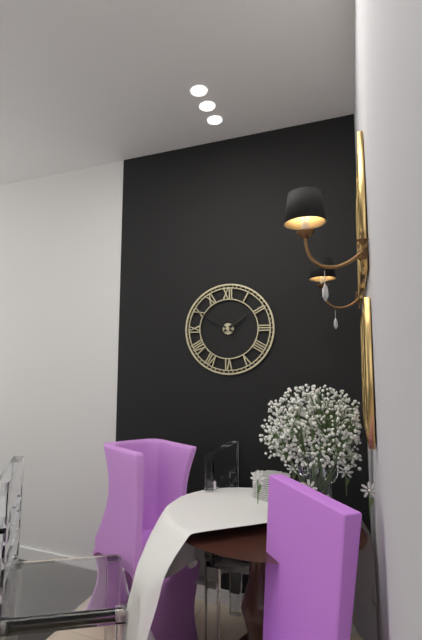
{"hour": 1, "minute": 50}
